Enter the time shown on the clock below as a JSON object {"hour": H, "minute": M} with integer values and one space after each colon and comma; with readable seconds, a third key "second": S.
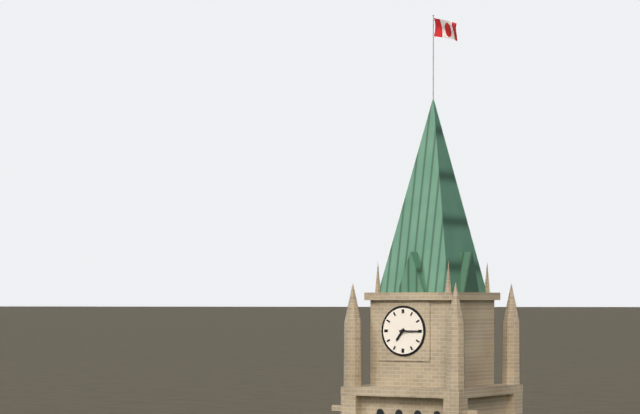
{"hour": 7, "minute": 15}
